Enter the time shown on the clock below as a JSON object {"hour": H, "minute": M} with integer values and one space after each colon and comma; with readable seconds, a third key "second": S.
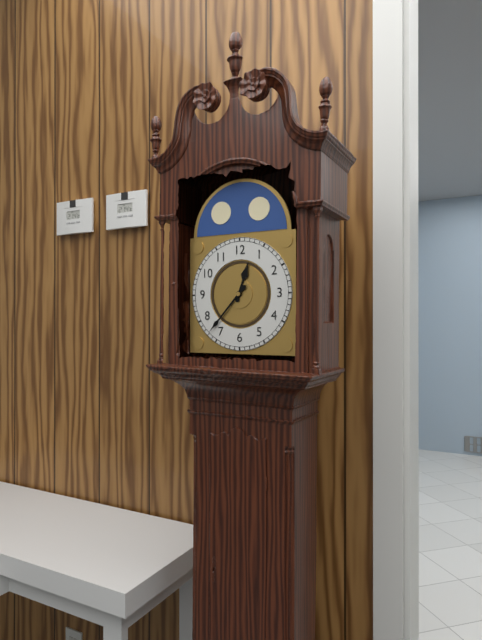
{"hour": 12, "minute": 37}
